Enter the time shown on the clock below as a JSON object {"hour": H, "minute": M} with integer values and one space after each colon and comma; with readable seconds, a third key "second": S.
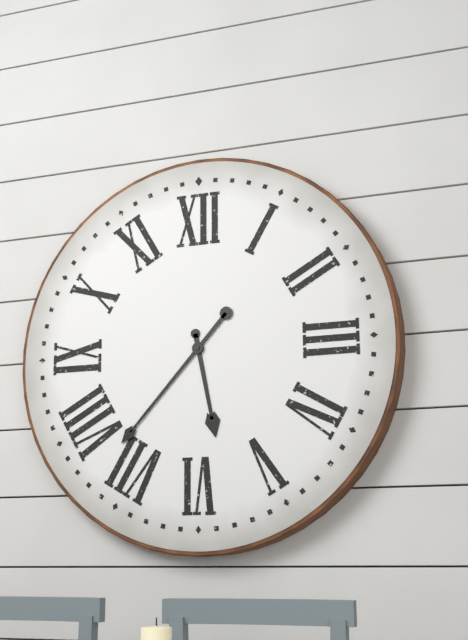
{"hour": 5, "minute": 37}
